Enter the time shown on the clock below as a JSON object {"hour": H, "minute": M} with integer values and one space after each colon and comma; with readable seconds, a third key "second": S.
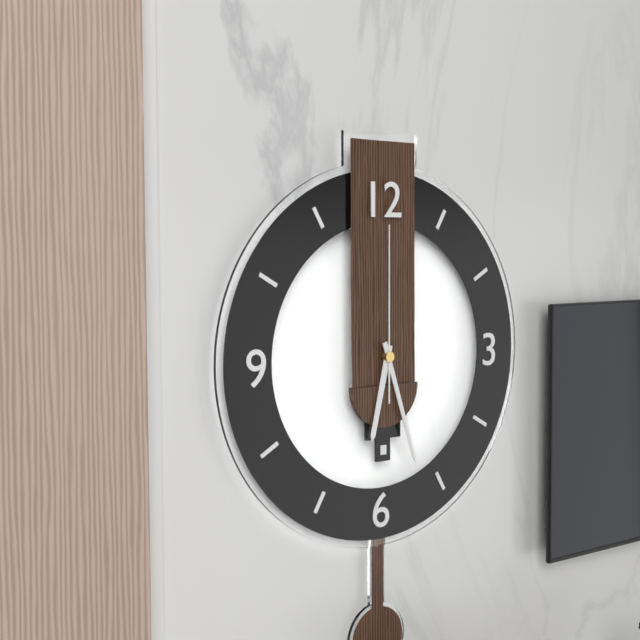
{"hour": 6, "minute": 27, "second": 0}
